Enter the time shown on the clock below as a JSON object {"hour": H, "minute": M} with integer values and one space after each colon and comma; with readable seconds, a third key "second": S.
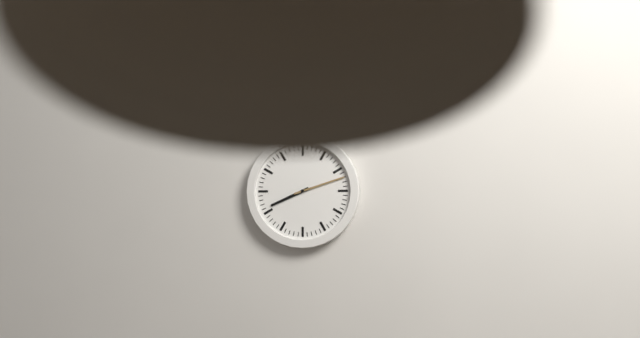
{"hour": 8, "minute": 12}
